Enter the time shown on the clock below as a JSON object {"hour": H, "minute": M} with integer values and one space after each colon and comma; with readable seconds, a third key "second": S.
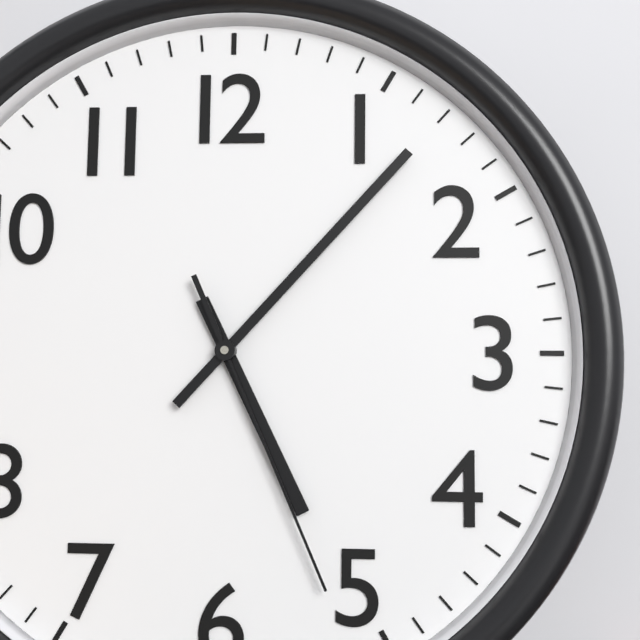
{"hour": 5, "minute": 7, "second": 26}
